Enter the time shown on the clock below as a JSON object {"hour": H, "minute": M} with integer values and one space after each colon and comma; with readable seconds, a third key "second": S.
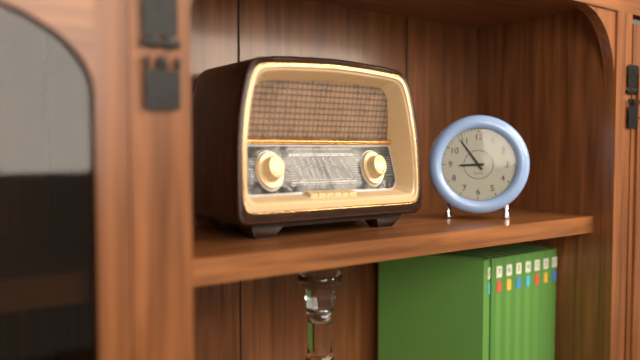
{"hour": 8, "minute": 54}
